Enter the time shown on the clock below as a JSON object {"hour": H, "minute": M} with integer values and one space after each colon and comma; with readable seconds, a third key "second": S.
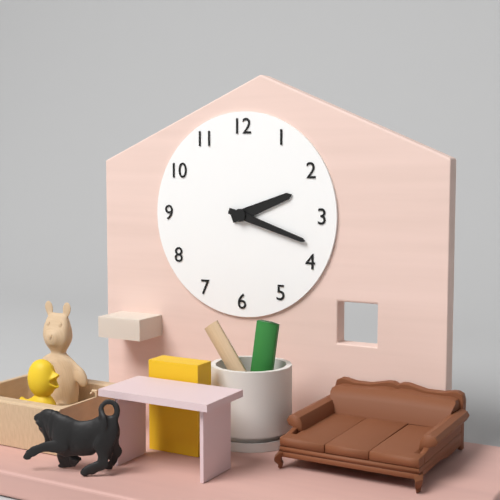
{"hour": 2, "minute": 18}
